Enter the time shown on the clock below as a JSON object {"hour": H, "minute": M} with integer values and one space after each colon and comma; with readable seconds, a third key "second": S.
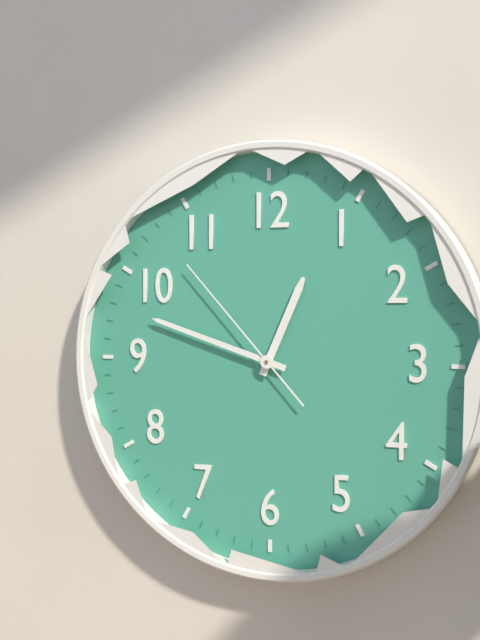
{"hour": 12, "minute": 48, "second": 53}
